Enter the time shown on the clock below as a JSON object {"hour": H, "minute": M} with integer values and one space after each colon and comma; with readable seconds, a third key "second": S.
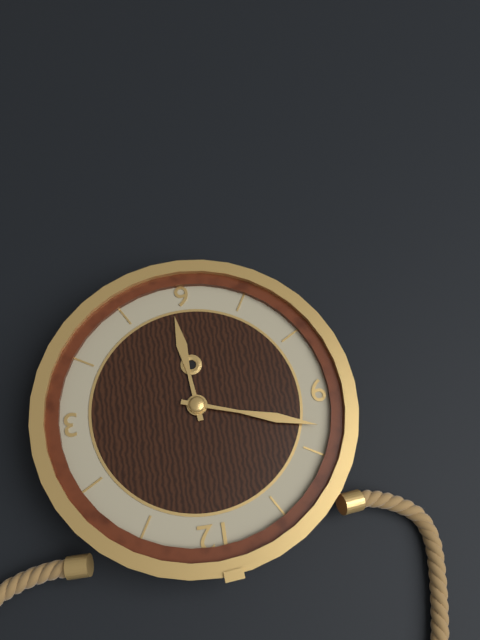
{"hour": 5, "minute": 48}
